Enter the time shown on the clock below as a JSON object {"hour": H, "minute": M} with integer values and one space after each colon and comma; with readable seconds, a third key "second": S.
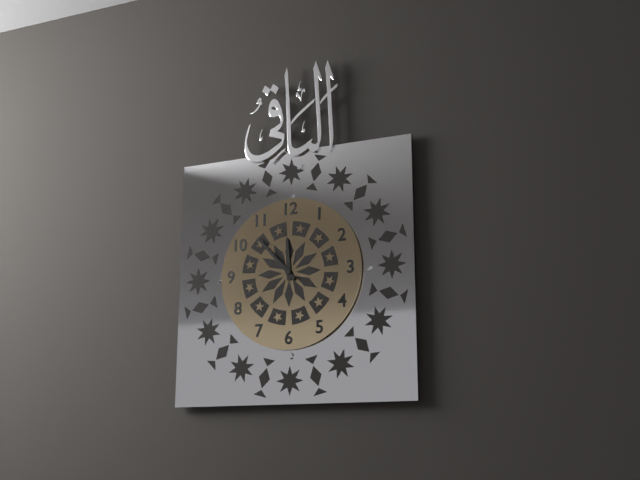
{"hour": 11, "minute": 53}
